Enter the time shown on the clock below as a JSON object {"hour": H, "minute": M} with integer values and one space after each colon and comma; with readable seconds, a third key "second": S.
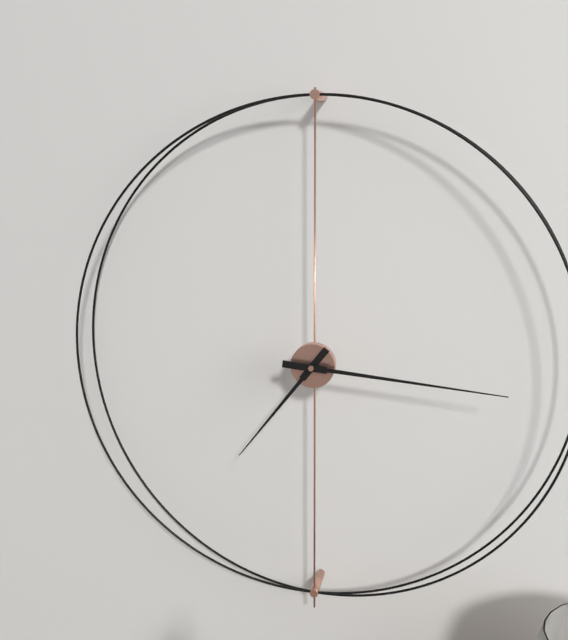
{"hour": 7, "minute": 16}
